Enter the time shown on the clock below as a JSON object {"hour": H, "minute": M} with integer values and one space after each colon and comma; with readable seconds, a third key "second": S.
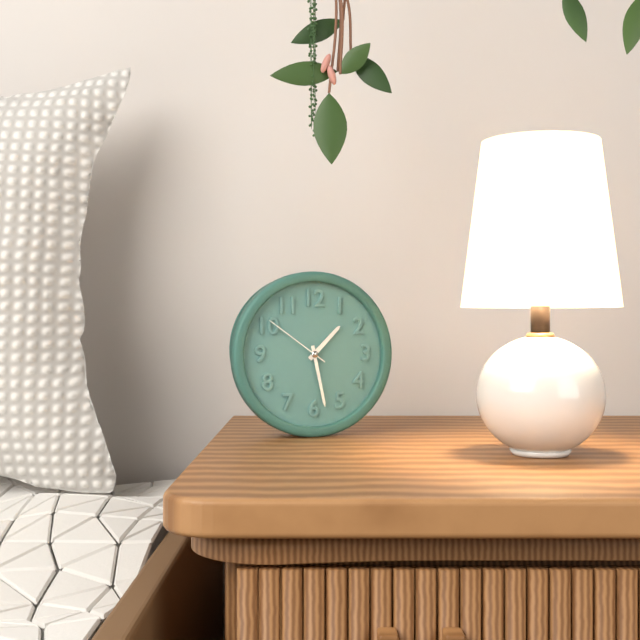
{"hour": 1, "minute": 28, "second": 51}
